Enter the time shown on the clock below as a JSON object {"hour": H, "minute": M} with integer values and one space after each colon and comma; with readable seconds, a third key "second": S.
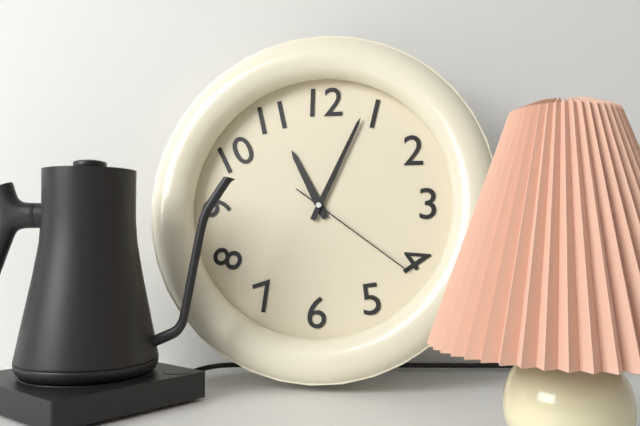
{"hour": 11, "minute": 4, "second": 21}
